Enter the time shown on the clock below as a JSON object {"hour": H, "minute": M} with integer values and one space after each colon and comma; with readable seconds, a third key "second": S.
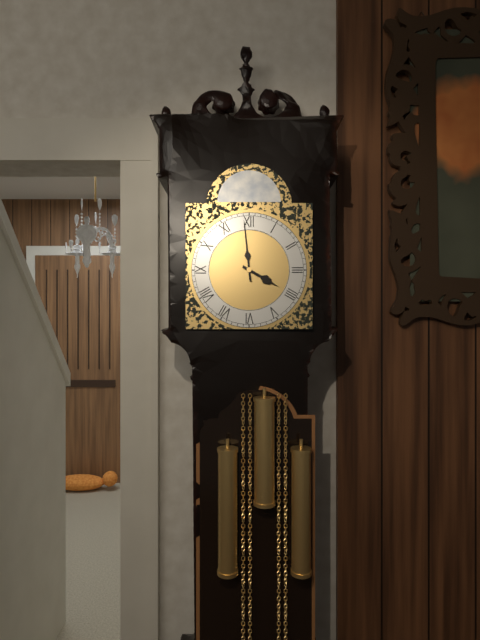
{"hour": 3, "minute": 59}
